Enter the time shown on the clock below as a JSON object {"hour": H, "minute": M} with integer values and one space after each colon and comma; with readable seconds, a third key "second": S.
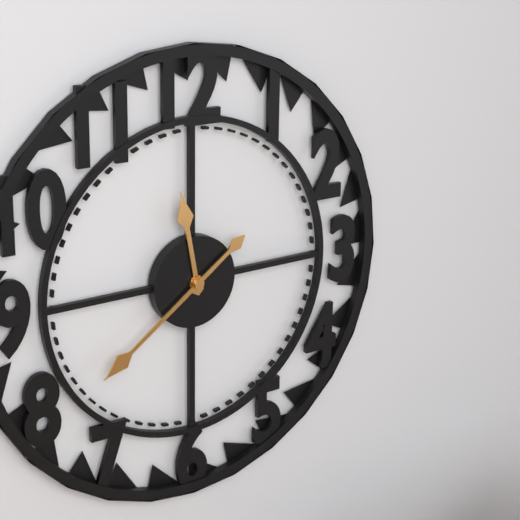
{"hour": 11, "minute": 39}
